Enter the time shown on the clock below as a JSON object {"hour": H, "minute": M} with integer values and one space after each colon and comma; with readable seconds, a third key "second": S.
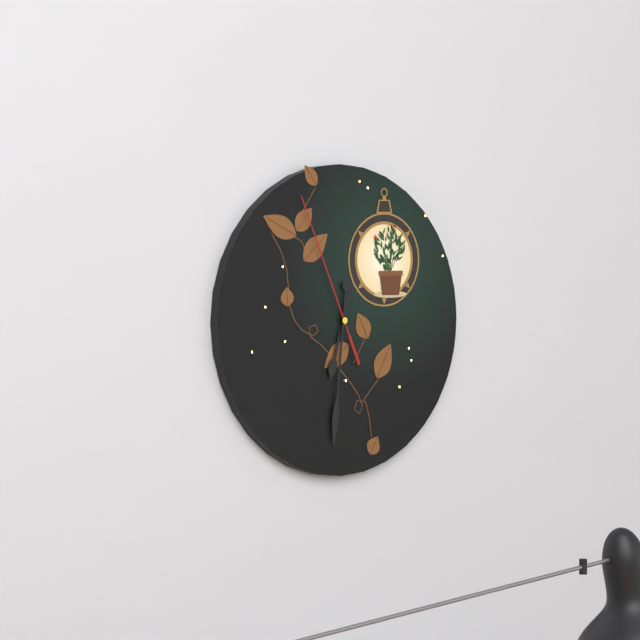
{"hour": 6, "minute": 31, "second": 56}
